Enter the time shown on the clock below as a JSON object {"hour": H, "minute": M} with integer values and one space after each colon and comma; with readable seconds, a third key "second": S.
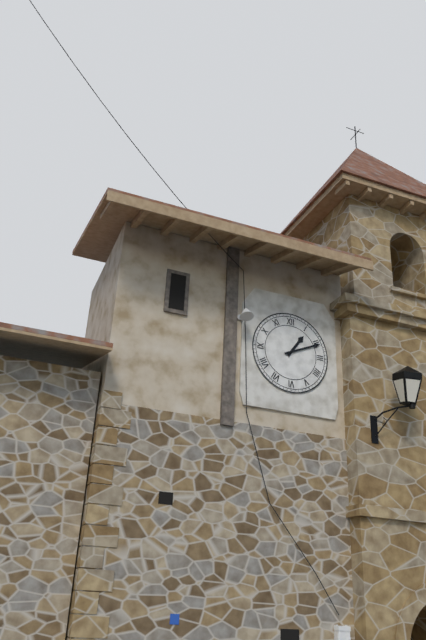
{"hour": 1, "minute": 11}
